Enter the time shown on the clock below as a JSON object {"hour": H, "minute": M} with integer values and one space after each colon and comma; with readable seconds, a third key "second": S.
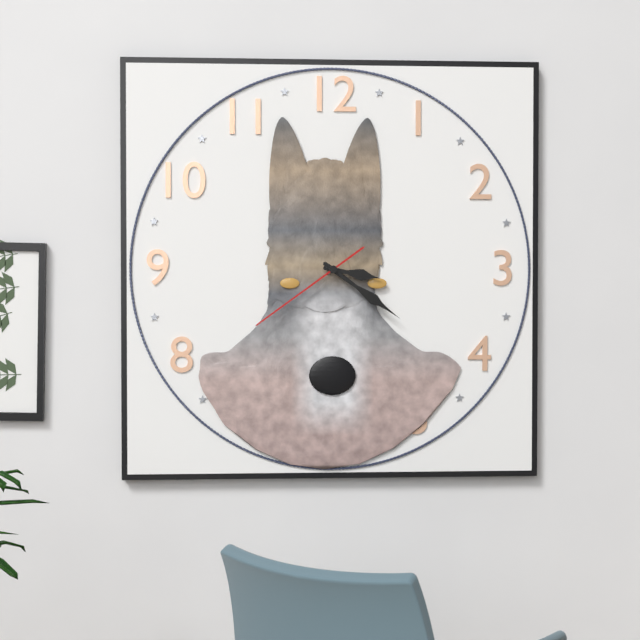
{"hour": 3, "minute": 21, "second": 39}
